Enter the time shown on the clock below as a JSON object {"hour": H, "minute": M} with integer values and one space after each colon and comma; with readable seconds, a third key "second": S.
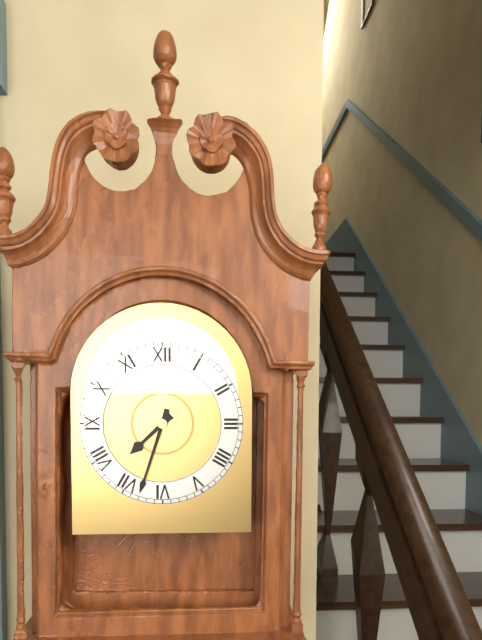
{"hour": 7, "minute": 33}
